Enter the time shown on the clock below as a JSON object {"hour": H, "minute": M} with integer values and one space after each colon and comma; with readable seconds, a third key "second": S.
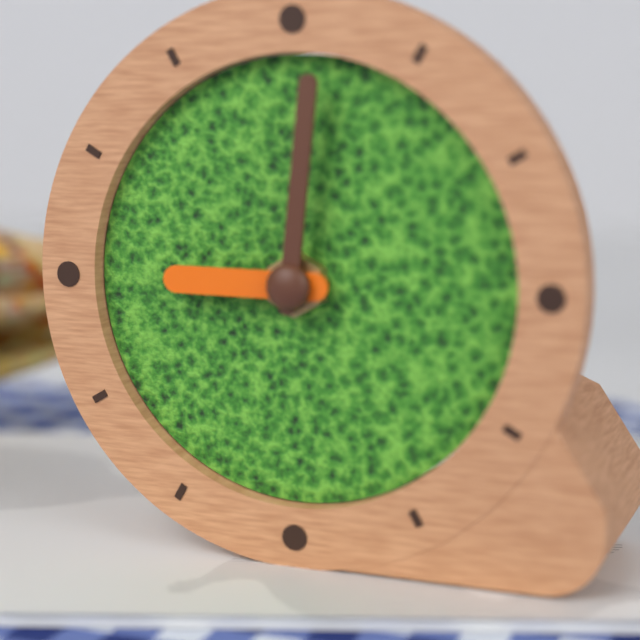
{"hour": 9, "minute": 1}
